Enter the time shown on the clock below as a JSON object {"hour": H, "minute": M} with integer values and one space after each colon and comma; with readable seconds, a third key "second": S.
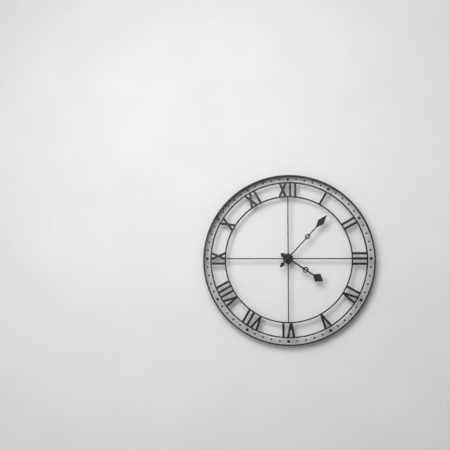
{"hour": 4, "minute": 7}
